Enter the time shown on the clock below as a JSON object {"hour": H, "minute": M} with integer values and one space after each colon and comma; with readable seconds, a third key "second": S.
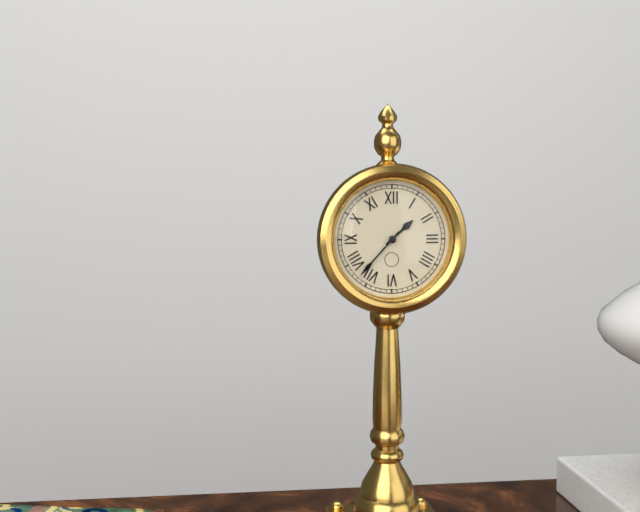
{"hour": 1, "minute": 37}
